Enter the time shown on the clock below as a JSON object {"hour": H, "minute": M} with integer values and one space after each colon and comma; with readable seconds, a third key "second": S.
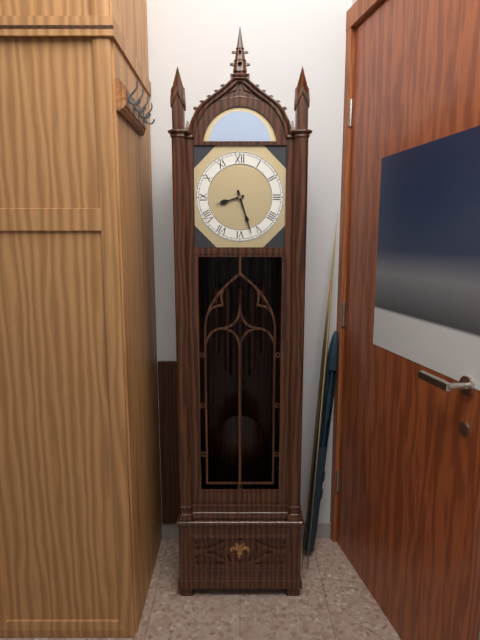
{"hour": 8, "minute": 27}
